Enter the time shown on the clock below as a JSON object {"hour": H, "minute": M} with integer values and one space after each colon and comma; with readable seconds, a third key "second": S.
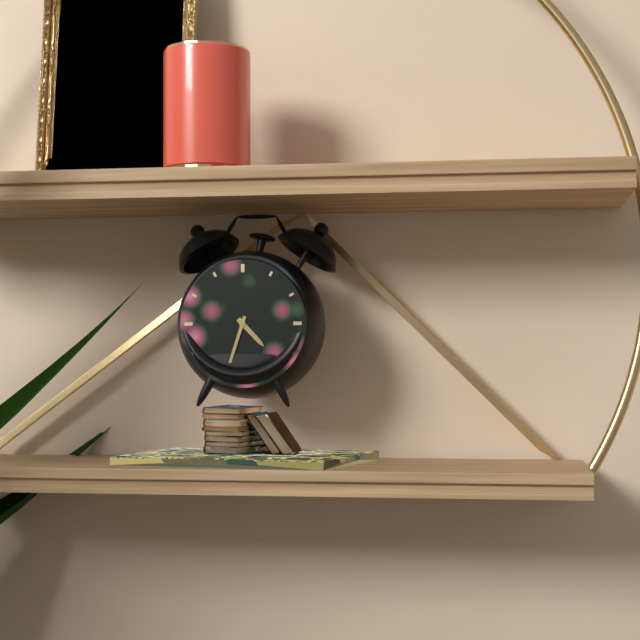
{"hour": 4, "minute": 33}
